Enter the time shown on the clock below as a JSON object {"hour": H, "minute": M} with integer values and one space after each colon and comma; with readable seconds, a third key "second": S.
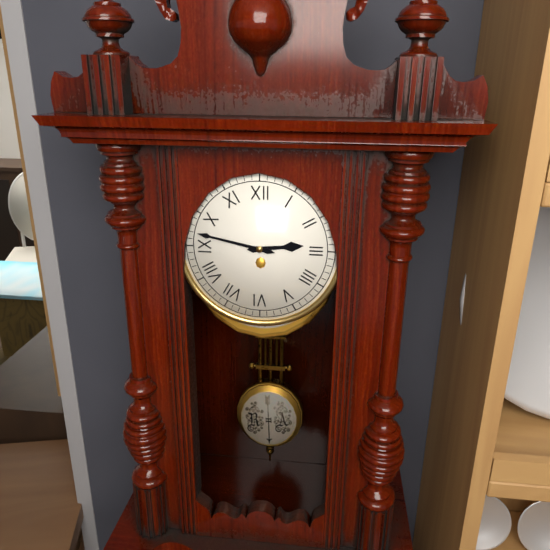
{"hour": 2, "minute": 47}
